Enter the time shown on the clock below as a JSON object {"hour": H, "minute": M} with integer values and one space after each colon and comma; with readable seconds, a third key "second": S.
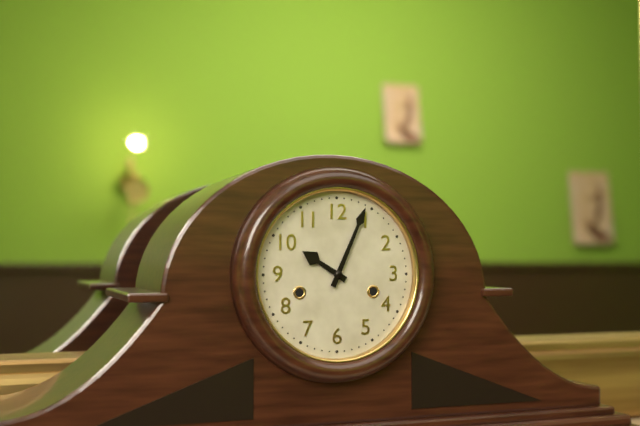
{"hour": 10, "minute": 4}
